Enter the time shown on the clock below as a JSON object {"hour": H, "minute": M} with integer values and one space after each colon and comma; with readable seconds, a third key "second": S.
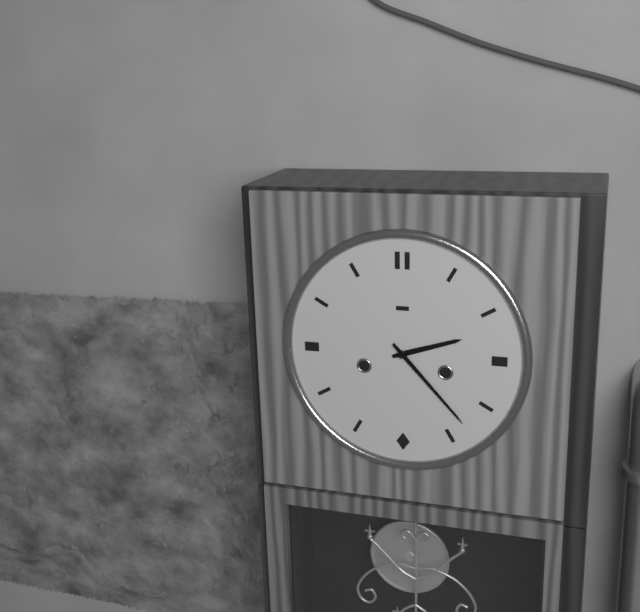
{"hour": 2, "minute": 23}
